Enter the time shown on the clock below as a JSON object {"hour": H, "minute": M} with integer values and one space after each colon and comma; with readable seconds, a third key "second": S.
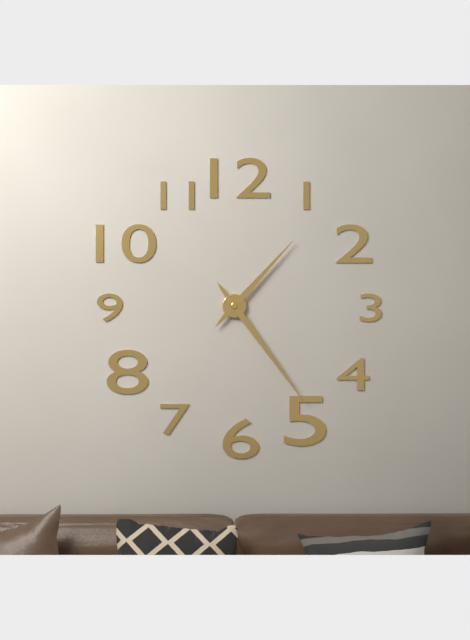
{"hour": 1, "minute": 24}
